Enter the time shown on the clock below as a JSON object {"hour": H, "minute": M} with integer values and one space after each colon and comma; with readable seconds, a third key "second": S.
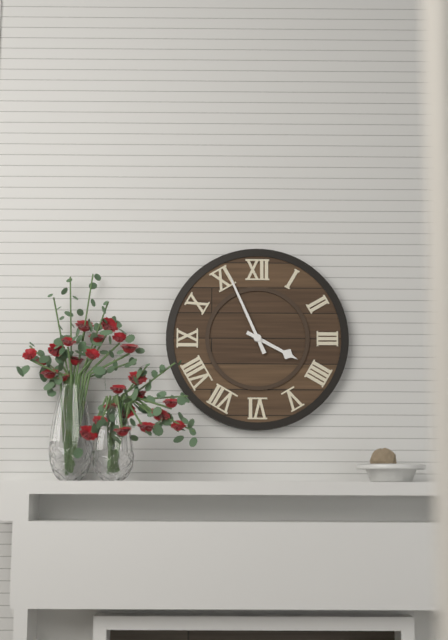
{"hour": 3, "minute": 56}
